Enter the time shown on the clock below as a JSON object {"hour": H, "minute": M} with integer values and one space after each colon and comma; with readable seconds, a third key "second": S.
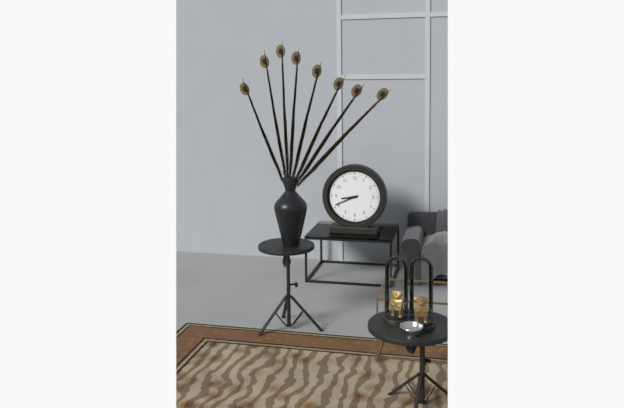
{"hour": 8, "minute": 41}
